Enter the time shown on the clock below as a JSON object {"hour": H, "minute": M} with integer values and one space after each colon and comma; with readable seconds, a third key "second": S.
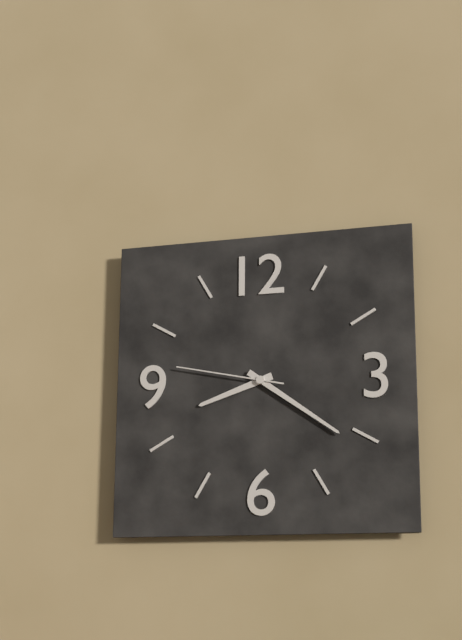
{"hour": 8, "minute": 21, "second": 47}
